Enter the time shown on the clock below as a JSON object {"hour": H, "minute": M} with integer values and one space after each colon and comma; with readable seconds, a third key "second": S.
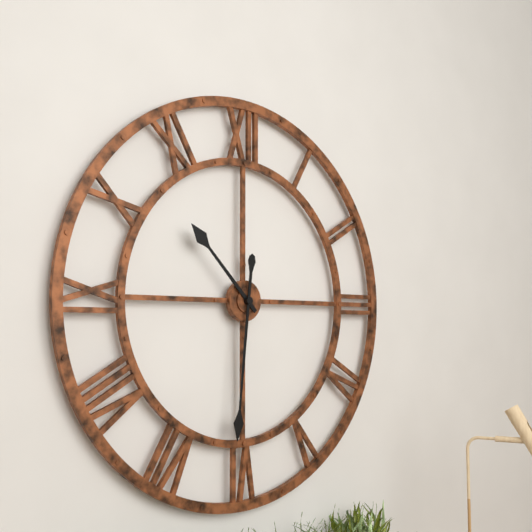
{"hour": 10, "minute": 31}
